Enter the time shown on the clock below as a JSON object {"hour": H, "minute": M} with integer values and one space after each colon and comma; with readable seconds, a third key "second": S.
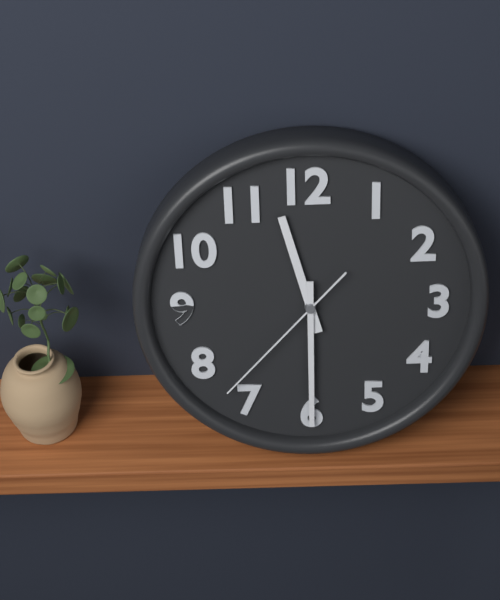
{"hour": 11, "minute": 30, "second": 37}
